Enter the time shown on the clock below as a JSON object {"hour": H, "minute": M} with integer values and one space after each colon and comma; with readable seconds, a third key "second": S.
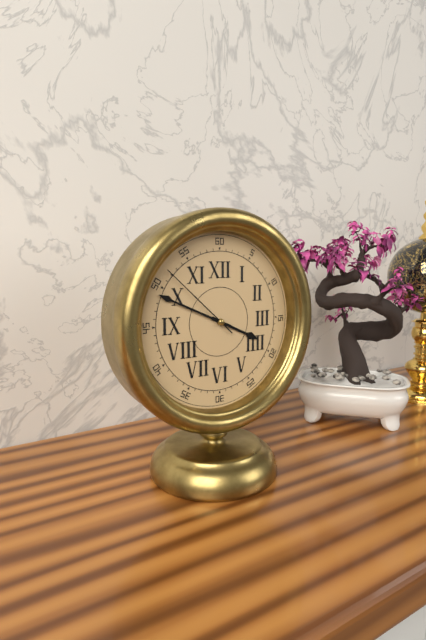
{"hour": 3, "minute": 49, "second": 52}
